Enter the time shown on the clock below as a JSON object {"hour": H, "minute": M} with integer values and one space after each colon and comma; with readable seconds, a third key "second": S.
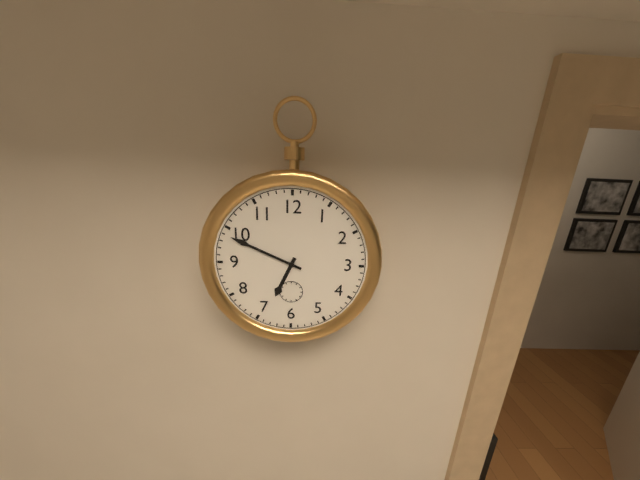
{"hour": 6, "minute": 49}
